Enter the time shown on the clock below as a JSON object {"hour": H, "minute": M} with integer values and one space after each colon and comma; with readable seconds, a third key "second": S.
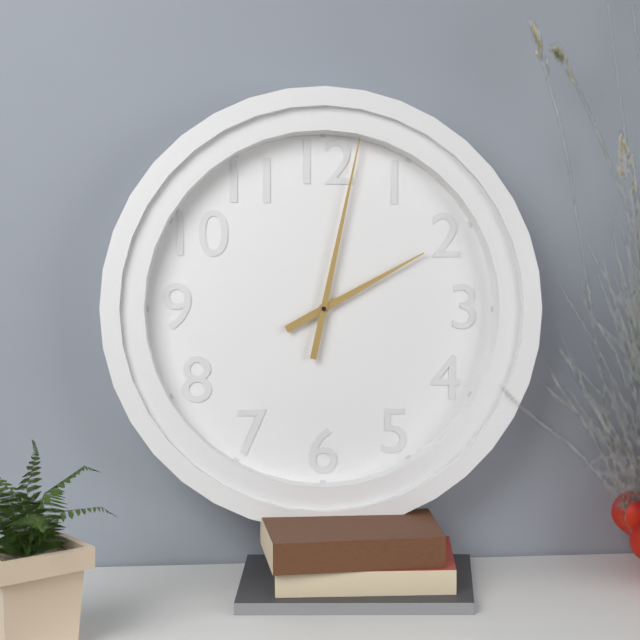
{"hour": 2, "minute": 2}
